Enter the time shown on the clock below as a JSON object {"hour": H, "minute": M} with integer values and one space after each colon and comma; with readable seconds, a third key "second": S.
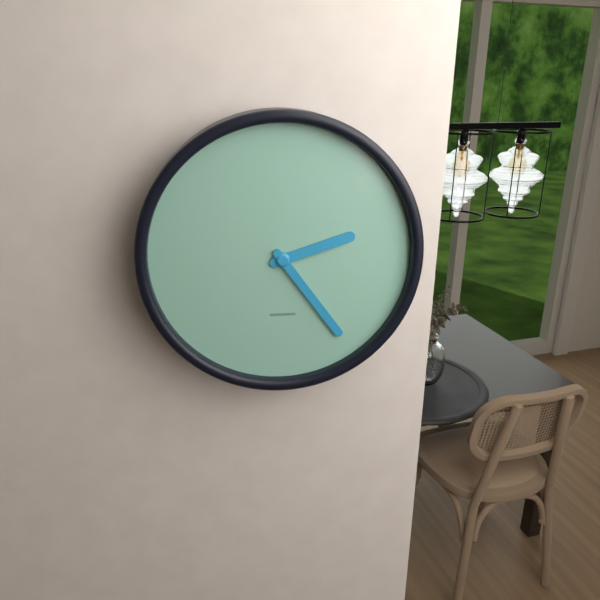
{"hour": 2, "minute": 24}
